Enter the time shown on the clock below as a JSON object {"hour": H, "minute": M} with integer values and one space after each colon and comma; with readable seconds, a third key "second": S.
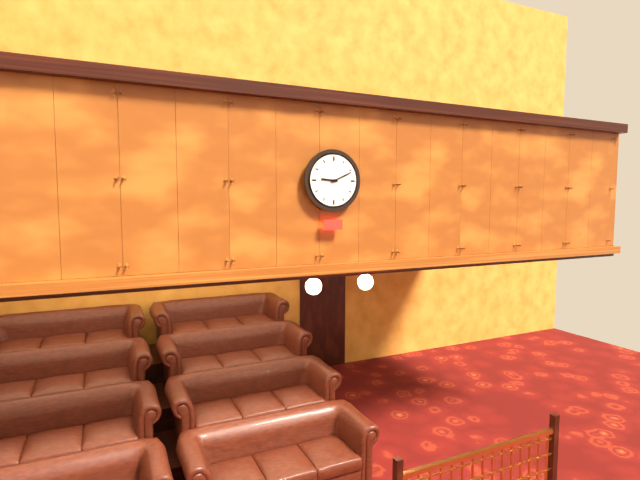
{"hour": 9, "minute": 11}
